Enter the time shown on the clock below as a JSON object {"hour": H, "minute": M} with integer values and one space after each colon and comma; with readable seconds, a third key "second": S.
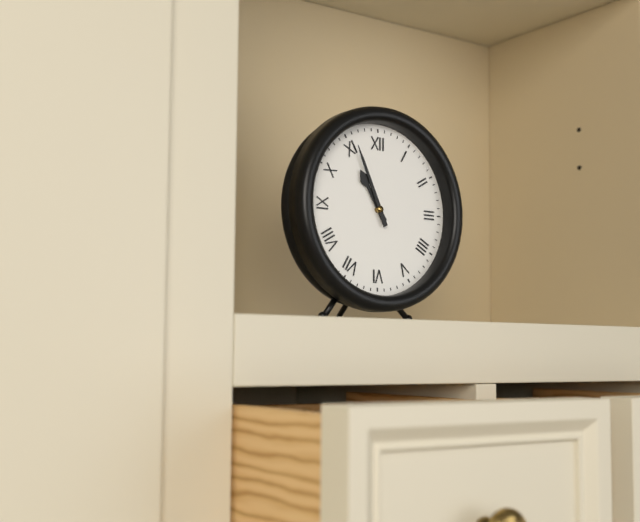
{"hour": 10, "minute": 56}
